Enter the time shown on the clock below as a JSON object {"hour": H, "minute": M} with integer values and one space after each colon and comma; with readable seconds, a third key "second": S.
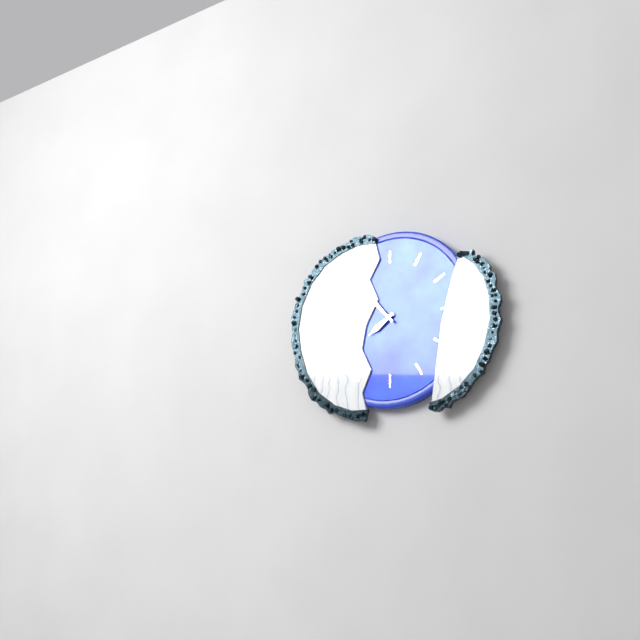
{"hour": 7, "minute": 53}
